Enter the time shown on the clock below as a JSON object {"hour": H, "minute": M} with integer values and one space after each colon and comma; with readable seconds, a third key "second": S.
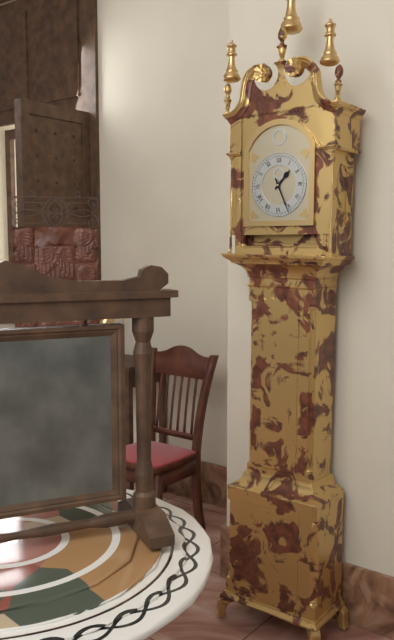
{"hour": 1, "minute": 26}
